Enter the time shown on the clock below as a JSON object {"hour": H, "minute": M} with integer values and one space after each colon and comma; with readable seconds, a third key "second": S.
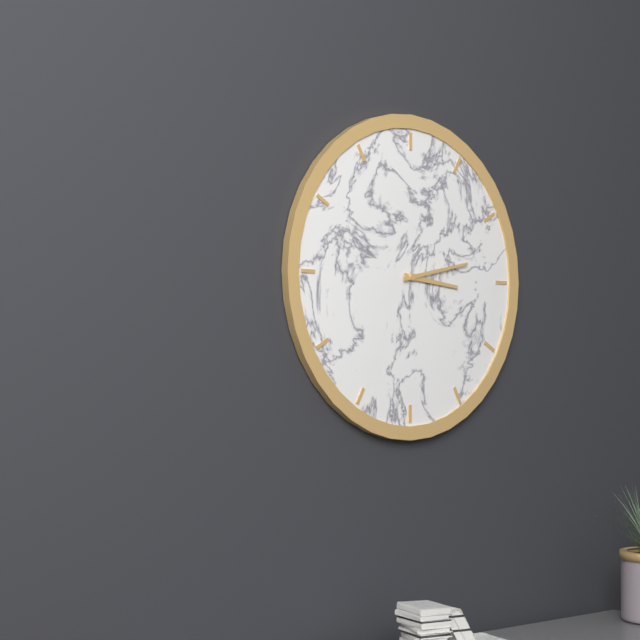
{"hour": 3, "minute": 13}
